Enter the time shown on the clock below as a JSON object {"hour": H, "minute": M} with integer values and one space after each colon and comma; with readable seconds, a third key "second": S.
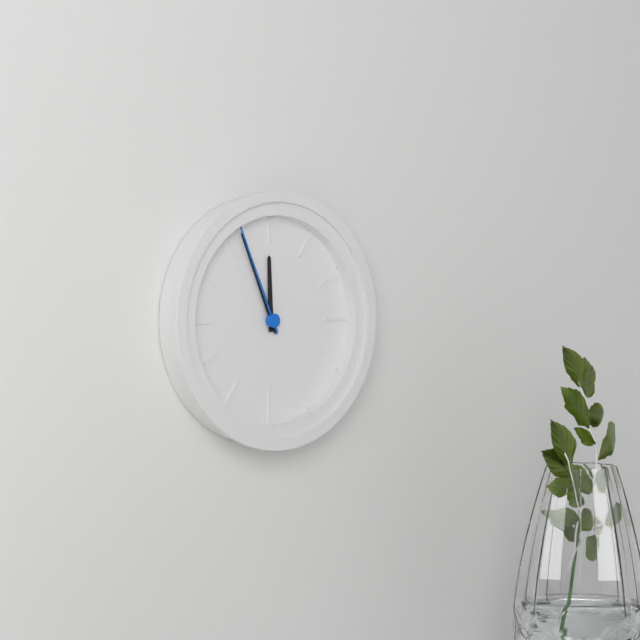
{"hour": 11, "minute": 56, "second": 56}
